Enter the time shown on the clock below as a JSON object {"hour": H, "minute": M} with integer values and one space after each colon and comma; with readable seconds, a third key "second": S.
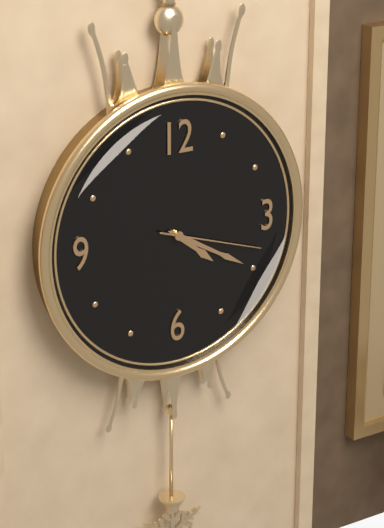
{"hour": 4, "minute": 20, "second": 18}
